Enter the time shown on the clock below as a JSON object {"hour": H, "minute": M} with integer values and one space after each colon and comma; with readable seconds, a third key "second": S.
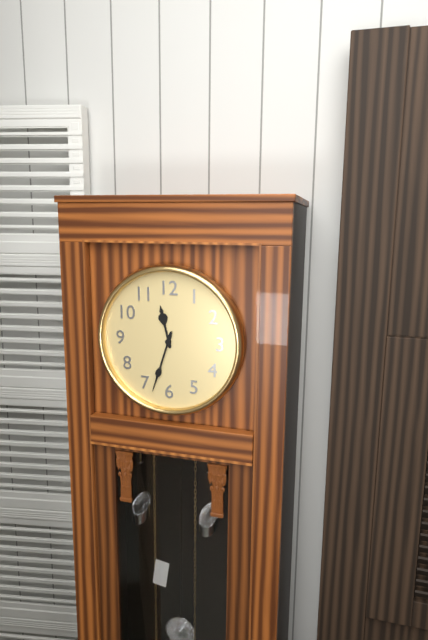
{"hour": 11, "minute": 33}
